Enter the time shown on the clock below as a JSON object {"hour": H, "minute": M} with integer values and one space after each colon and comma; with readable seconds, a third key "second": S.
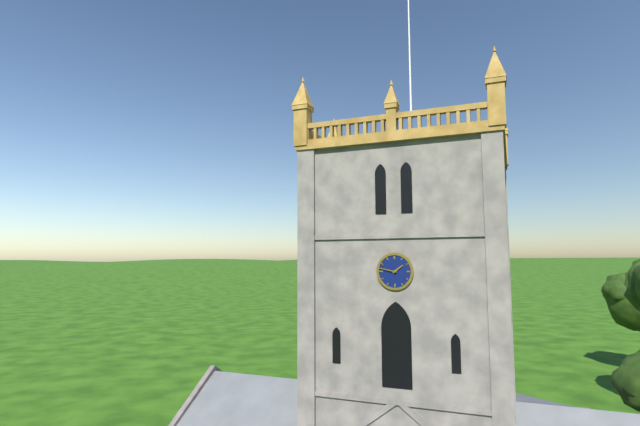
{"hour": 1, "minute": 47}
